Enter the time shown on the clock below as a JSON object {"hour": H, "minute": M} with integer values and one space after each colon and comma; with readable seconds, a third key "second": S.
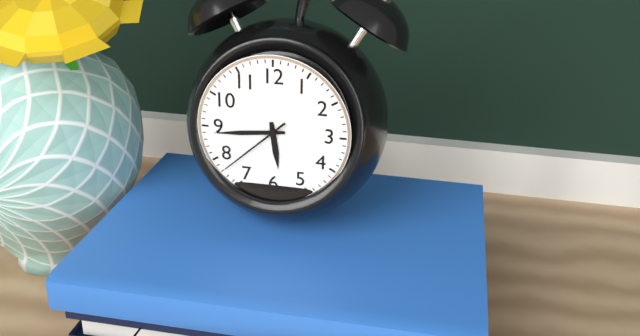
{"hour": 5, "minute": 44, "second": 38}
